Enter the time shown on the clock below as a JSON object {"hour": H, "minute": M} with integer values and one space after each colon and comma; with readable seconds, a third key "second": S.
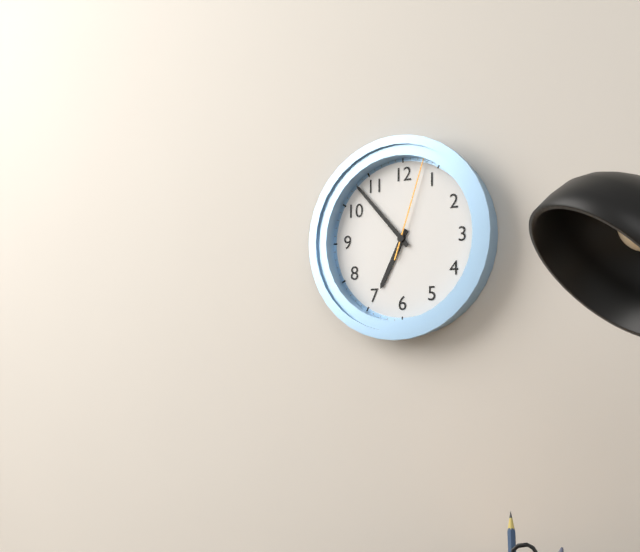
{"hour": 6, "minute": 53, "second": 3}
